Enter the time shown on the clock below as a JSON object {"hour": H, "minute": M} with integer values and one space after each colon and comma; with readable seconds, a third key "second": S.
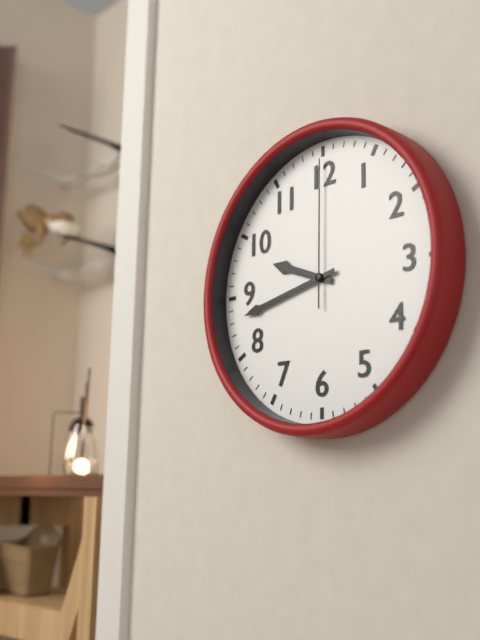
{"hour": 9, "minute": 43, "second": 0}
